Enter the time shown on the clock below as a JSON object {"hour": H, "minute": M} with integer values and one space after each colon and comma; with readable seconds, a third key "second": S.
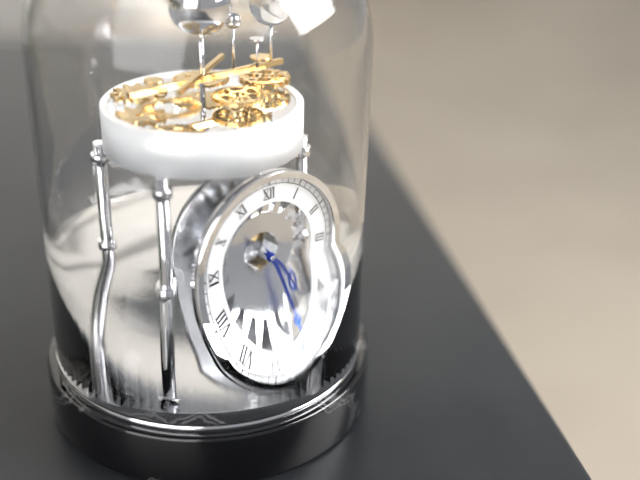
{"hour": 4, "minute": 25}
